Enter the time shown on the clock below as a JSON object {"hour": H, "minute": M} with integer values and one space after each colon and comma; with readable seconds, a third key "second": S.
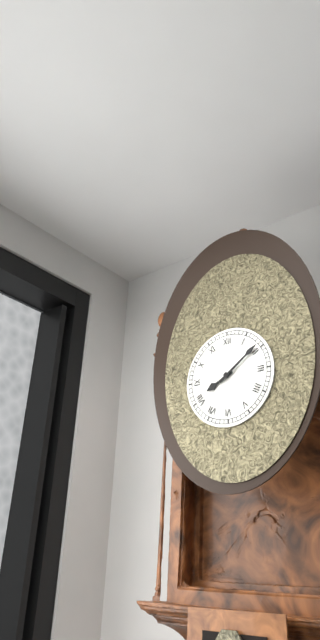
{"hour": 8, "minute": 9}
